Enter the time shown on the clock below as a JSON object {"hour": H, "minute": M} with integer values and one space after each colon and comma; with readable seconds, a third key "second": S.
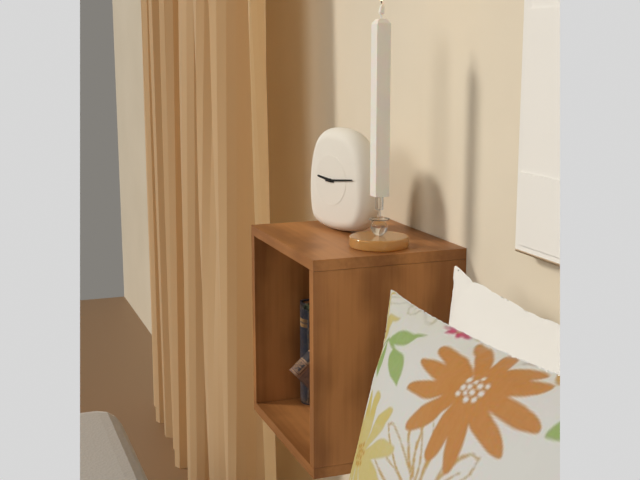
{"hour": 9, "minute": 14}
